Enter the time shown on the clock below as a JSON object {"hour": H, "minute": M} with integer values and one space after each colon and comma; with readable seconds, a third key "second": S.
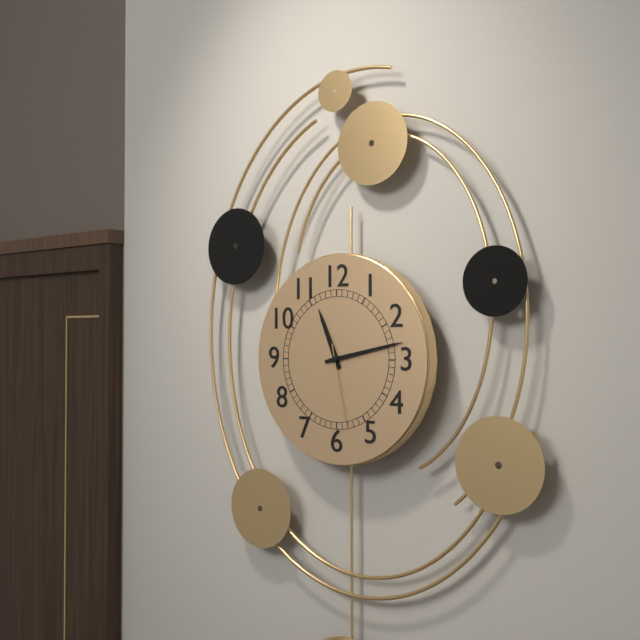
{"hour": 11, "minute": 13, "second": 28}
